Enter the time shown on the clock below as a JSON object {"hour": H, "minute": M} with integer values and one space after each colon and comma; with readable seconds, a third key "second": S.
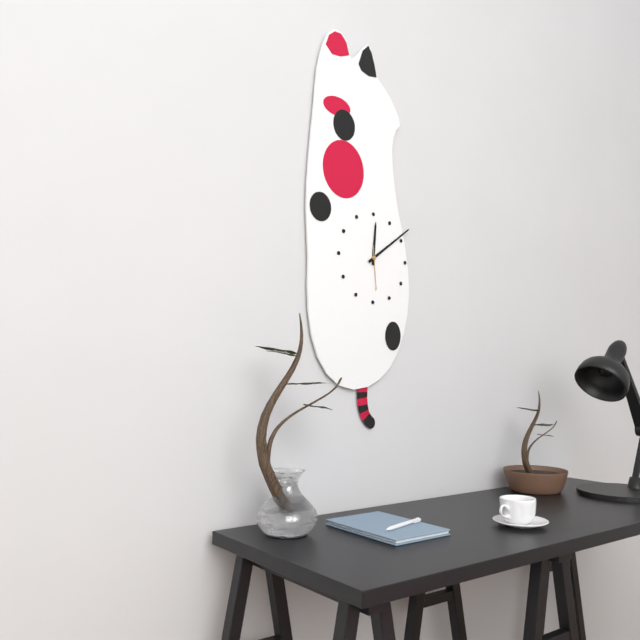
{"hour": 12, "minute": 9}
